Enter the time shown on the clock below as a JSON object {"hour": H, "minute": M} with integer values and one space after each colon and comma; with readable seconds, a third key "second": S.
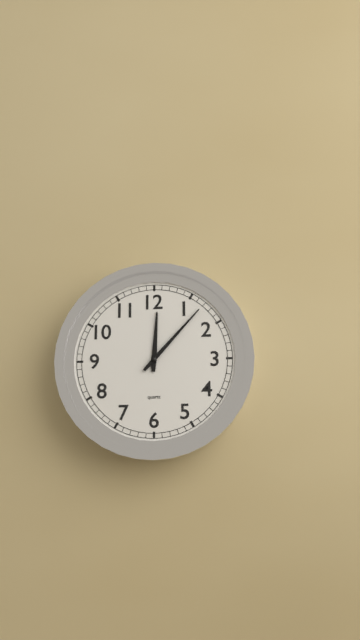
{"hour": 12, "minute": 7}
